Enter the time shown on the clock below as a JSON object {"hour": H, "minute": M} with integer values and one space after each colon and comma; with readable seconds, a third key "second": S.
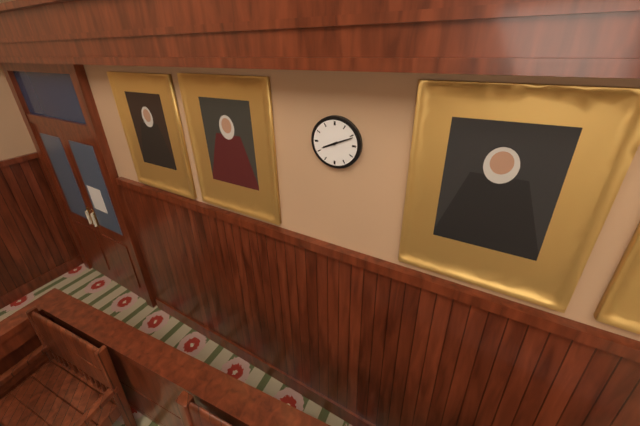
{"hour": 8, "minute": 11}
